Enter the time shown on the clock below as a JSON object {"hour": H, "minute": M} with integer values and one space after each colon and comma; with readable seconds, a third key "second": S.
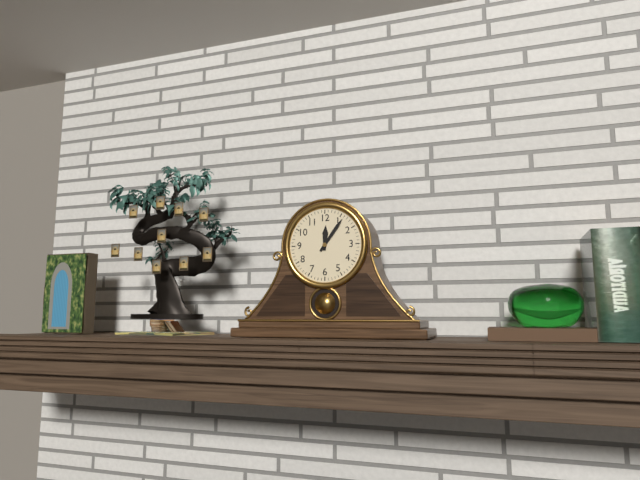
{"hour": 12, "minute": 6}
